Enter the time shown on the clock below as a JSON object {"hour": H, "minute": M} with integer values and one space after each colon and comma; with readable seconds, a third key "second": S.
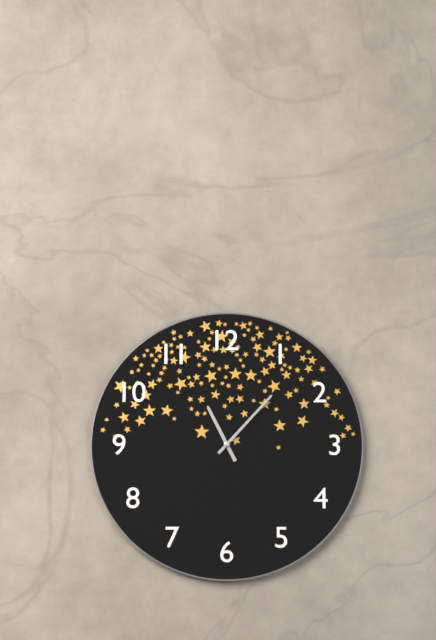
{"hour": 11, "minute": 7}
